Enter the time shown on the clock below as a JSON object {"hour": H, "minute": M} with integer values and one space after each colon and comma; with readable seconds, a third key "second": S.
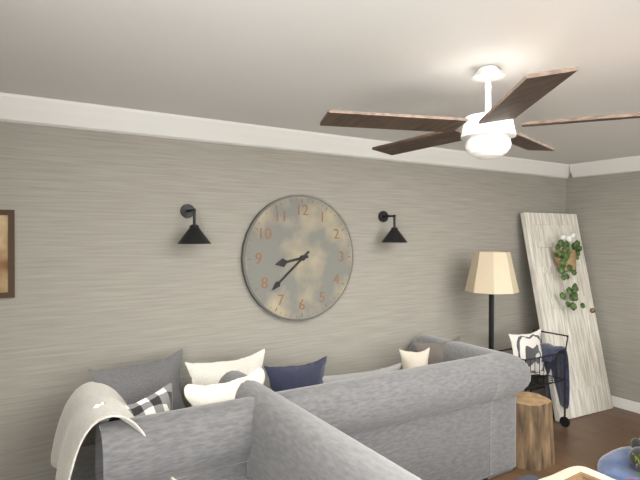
{"hour": 8, "minute": 38}
